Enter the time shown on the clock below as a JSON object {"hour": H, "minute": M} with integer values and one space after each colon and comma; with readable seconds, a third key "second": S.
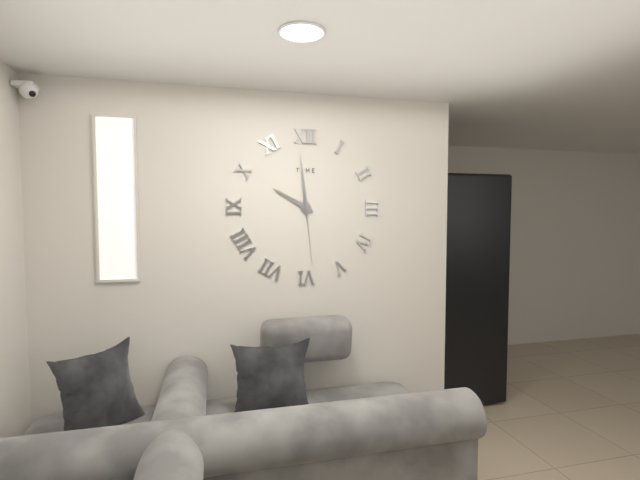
{"hour": 9, "minute": 59, "second": 29}
